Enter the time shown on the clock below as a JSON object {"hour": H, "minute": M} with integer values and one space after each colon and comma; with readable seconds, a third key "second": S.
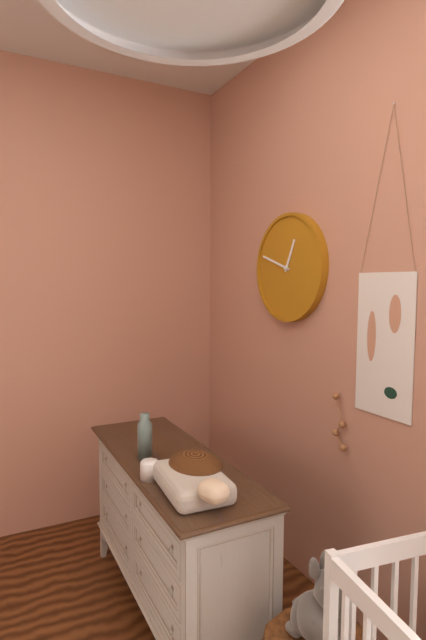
{"hour": 12, "minute": 48}
